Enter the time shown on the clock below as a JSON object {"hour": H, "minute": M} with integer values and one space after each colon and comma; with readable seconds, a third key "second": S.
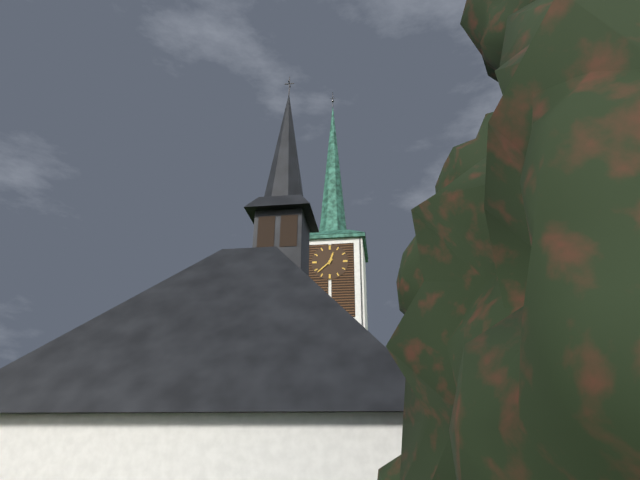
{"hour": 12, "minute": 38}
